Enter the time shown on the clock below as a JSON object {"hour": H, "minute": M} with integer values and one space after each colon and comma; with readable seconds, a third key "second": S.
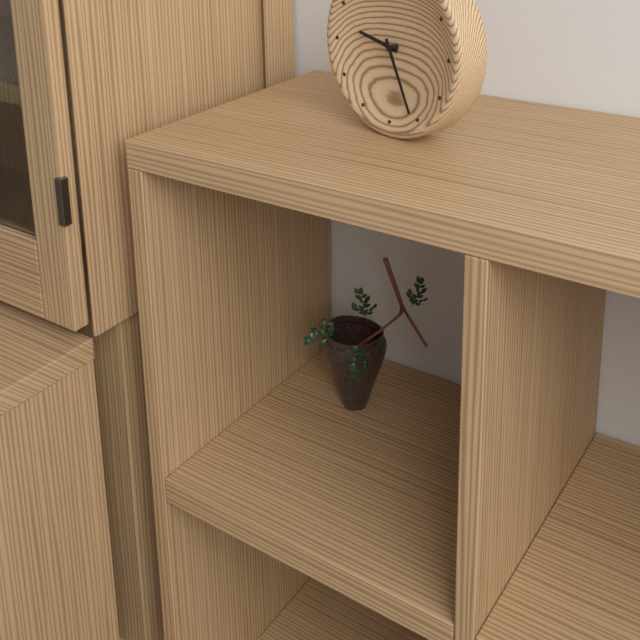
{"hour": 9, "minute": 26}
